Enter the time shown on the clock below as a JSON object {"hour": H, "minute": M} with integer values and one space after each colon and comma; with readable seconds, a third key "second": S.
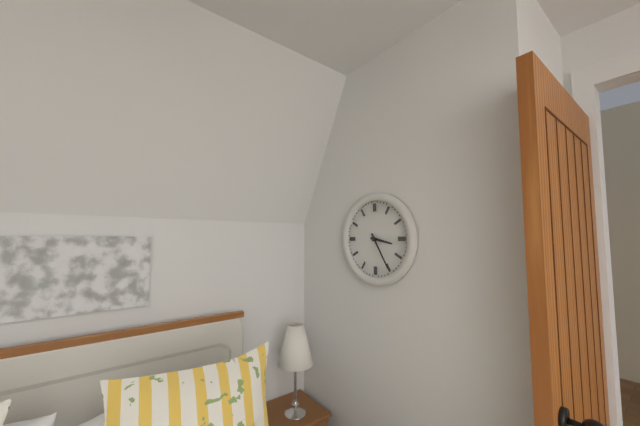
{"hour": 3, "minute": 25}
